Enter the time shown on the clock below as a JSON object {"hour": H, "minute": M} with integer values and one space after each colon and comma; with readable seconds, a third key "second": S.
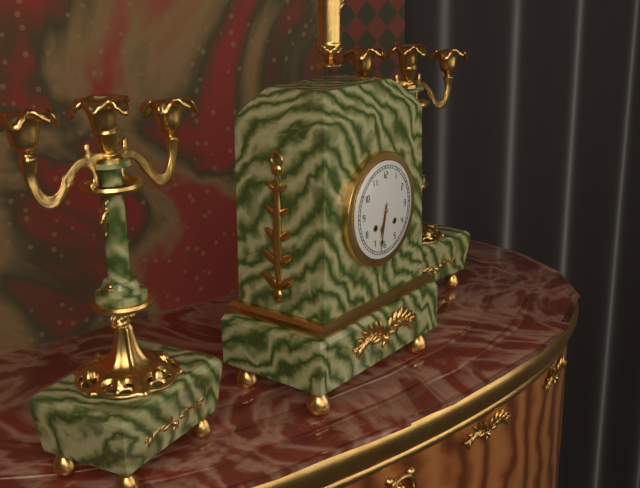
{"hour": 6, "minute": 32}
